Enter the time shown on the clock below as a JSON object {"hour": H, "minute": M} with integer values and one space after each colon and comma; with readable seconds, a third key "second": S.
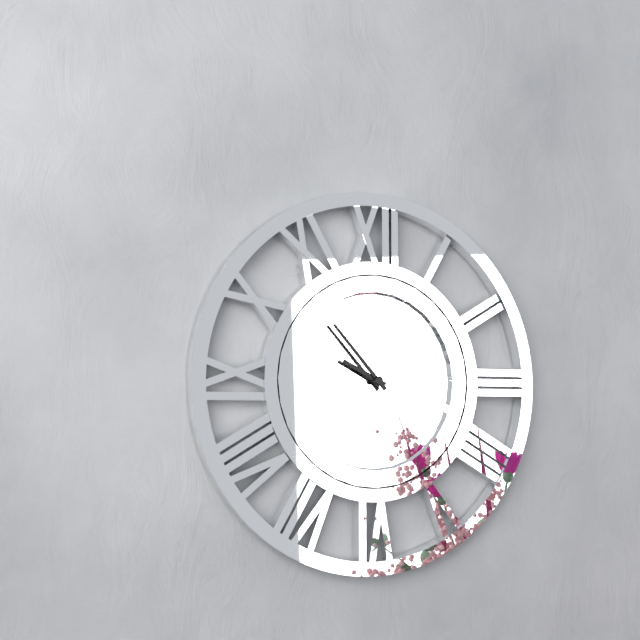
{"hour": 9, "minute": 53}
